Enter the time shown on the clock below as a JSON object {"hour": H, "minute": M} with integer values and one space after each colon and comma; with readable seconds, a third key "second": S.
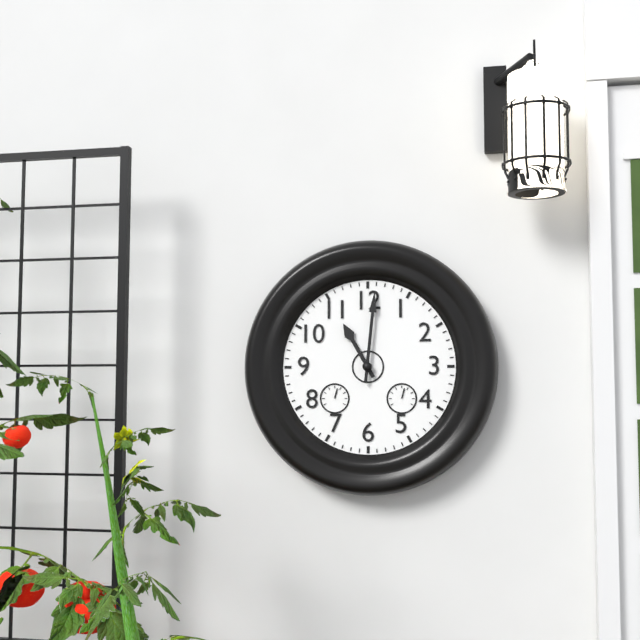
{"hour": 11, "minute": 1}
